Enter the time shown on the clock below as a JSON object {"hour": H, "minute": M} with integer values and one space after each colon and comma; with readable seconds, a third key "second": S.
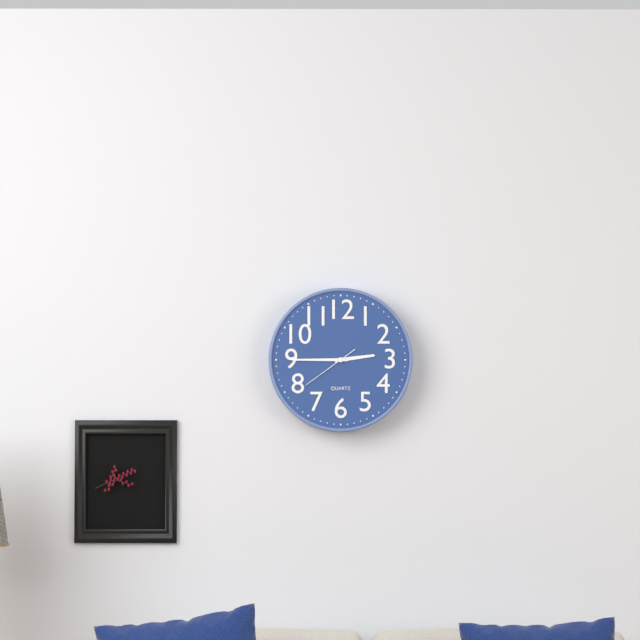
{"hour": 2, "minute": 45, "second": 39}
